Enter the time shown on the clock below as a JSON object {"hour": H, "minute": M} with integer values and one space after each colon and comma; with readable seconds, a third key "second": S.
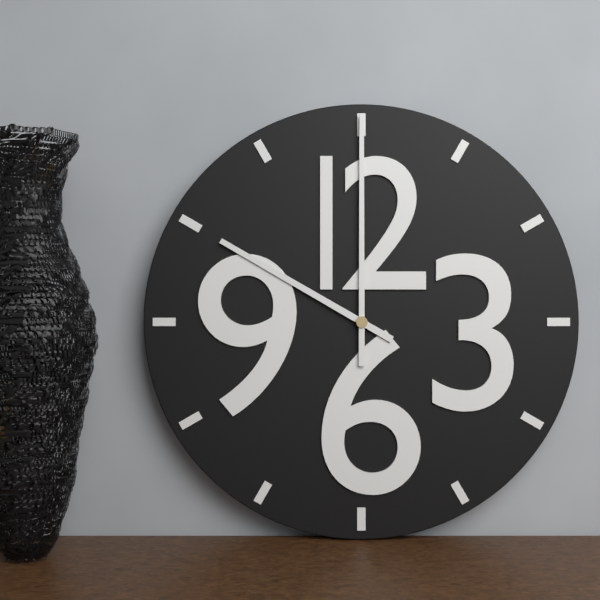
{"hour": 10, "minute": 0}
